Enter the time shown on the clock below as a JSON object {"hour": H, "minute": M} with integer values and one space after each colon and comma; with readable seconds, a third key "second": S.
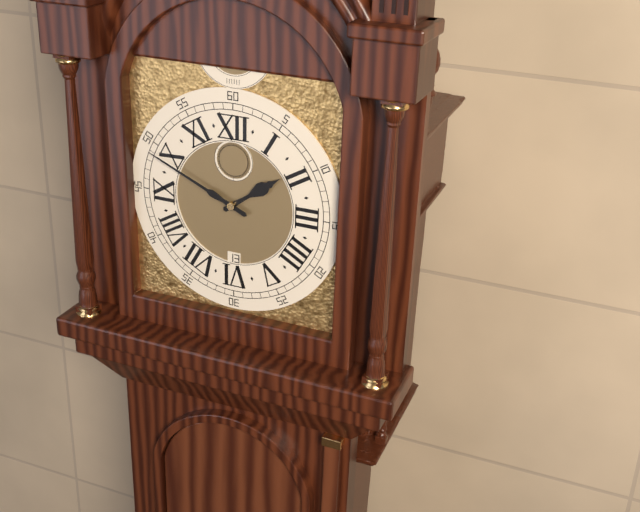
{"hour": 1, "minute": 49}
